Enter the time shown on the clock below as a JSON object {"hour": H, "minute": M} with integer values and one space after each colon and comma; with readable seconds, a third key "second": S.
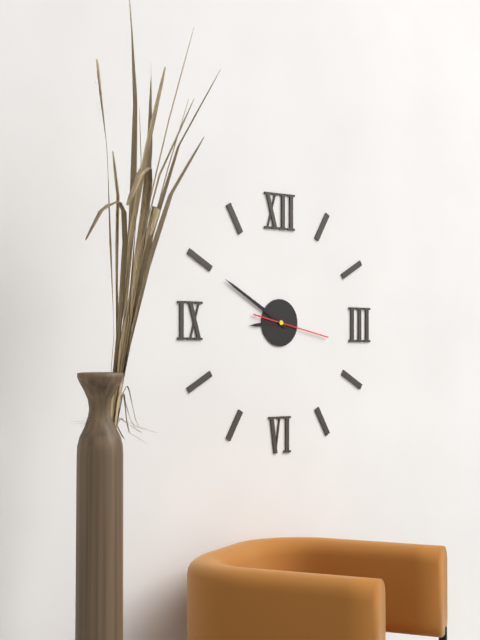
{"hour": 8, "minute": 50, "second": 17}
